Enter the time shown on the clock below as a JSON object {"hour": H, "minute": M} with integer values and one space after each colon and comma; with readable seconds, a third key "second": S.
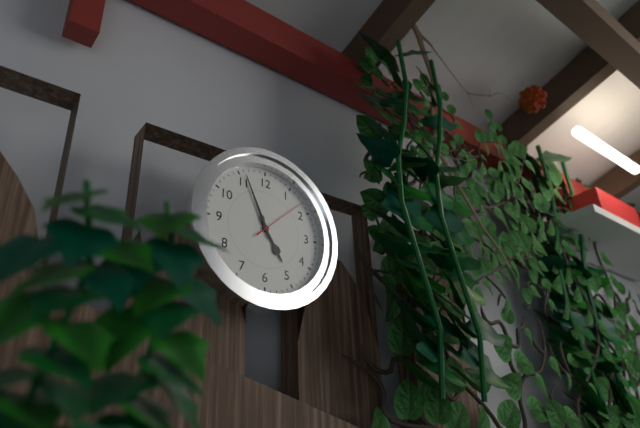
{"hour": 4, "minute": 56, "second": 8}
